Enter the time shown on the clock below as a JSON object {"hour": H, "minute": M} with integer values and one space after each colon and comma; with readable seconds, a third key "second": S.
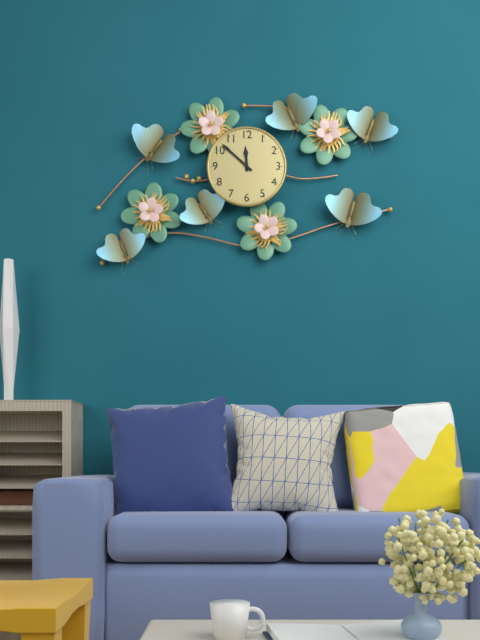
{"hour": 11, "minute": 52}
